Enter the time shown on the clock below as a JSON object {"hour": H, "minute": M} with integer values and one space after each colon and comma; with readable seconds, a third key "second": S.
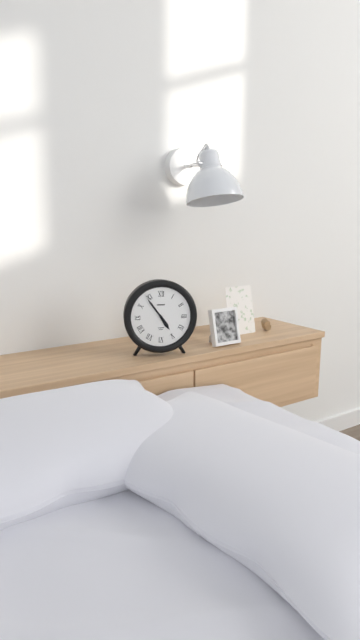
{"hour": 4, "minute": 54}
